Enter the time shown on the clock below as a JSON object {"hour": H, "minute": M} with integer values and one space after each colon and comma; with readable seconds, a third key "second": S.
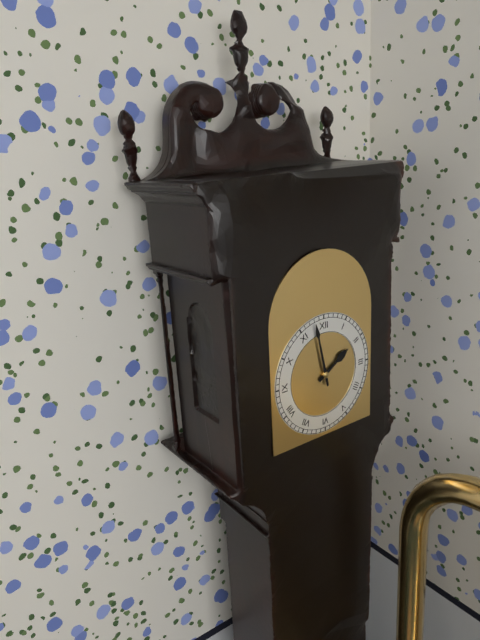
{"hour": 1, "minute": 58}
